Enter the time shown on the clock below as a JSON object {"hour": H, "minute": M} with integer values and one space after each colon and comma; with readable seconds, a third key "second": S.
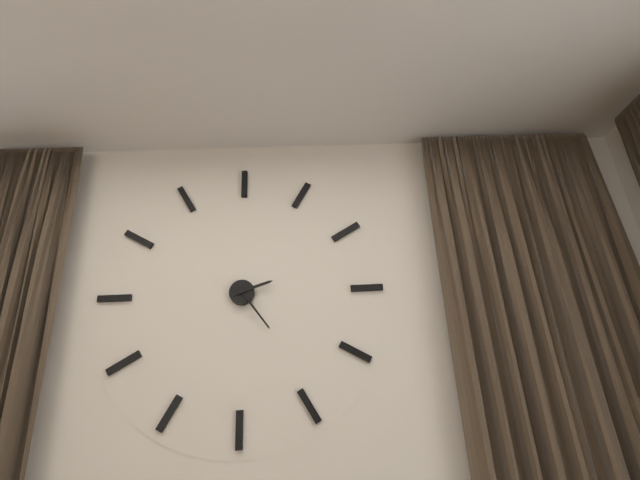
{"hour": 2, "minute": 24}
